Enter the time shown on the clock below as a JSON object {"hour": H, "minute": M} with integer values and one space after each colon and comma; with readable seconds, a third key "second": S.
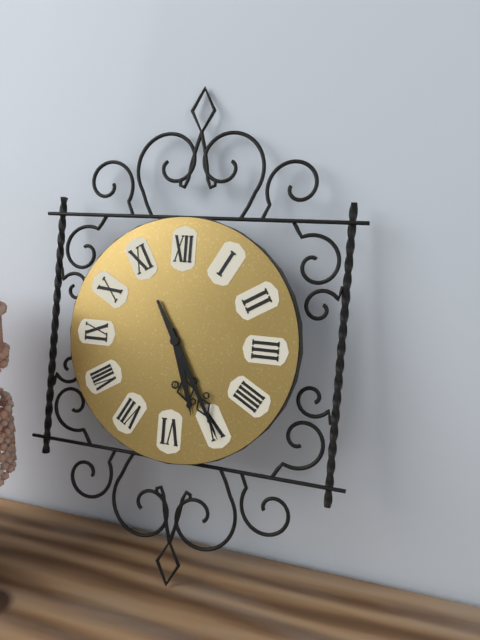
{"hour": 5, "minute": 25}
